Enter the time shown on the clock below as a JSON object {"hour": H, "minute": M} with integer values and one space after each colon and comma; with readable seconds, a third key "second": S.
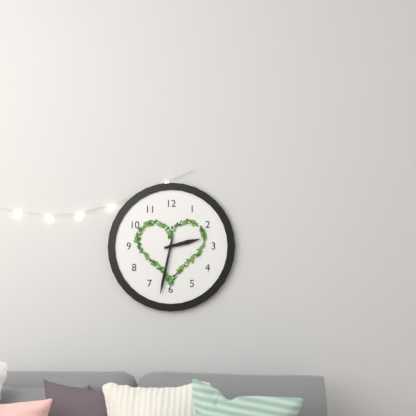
{"hour": 2, "minute": 32}
